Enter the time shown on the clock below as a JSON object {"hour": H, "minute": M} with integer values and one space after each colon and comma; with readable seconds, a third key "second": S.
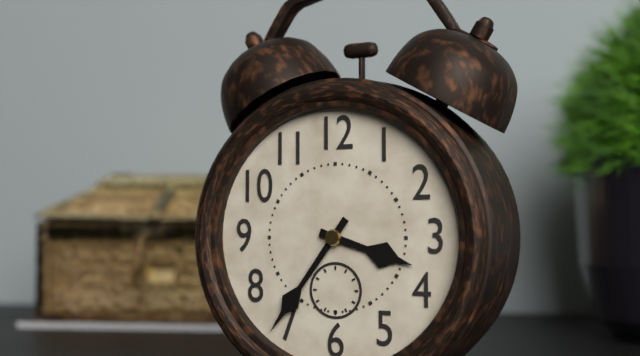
{"hour": 3, "minute": 36}
